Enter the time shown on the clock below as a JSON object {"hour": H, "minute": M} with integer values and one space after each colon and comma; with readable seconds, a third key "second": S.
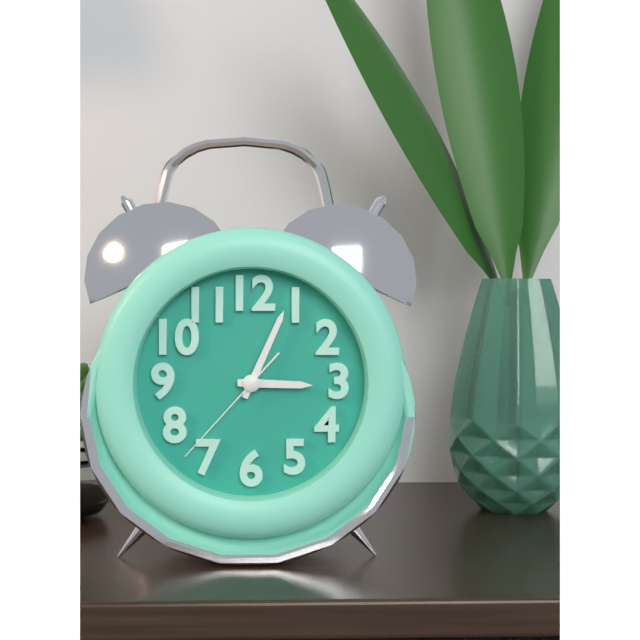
{"hour": 3, "minute": 4, "second": 37}
